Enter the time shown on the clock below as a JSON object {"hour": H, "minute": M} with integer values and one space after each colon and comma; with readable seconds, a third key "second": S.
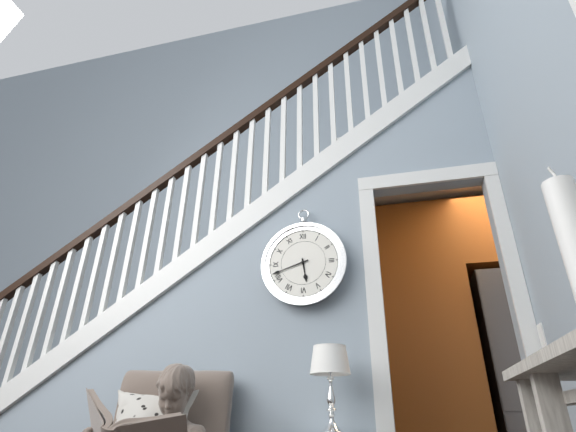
{"hour": 5, "minute": 42}
